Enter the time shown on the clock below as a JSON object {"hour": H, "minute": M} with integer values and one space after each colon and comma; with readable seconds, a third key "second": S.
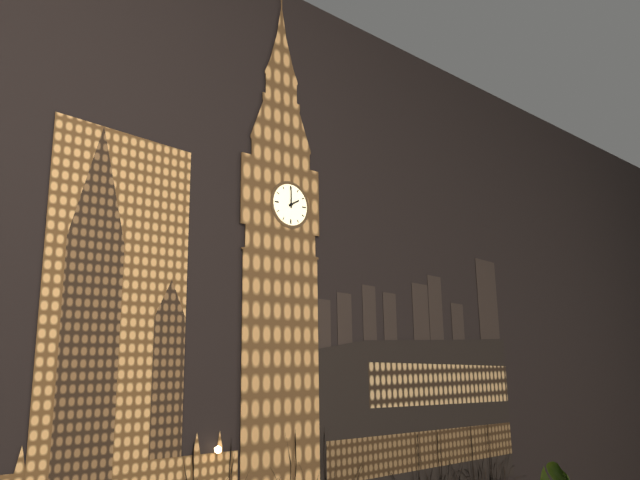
{"hour": 2, "minute": 0}
